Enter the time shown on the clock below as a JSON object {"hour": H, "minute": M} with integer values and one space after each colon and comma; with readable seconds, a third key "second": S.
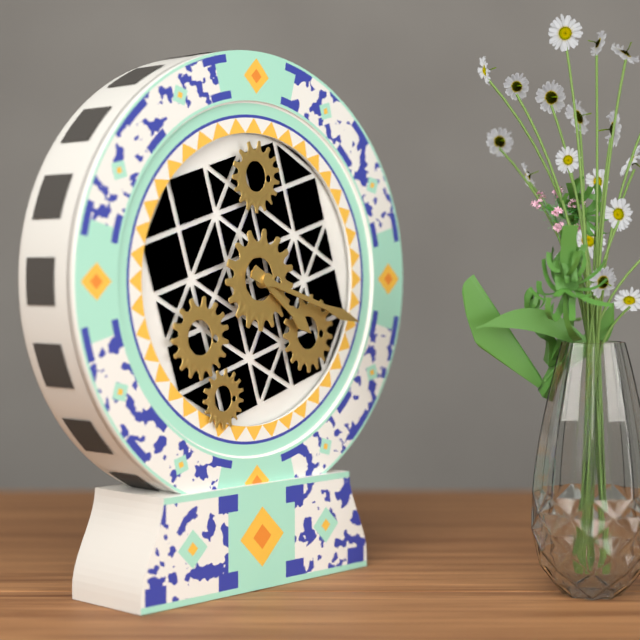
{"hour": 4, "minute": 18}
